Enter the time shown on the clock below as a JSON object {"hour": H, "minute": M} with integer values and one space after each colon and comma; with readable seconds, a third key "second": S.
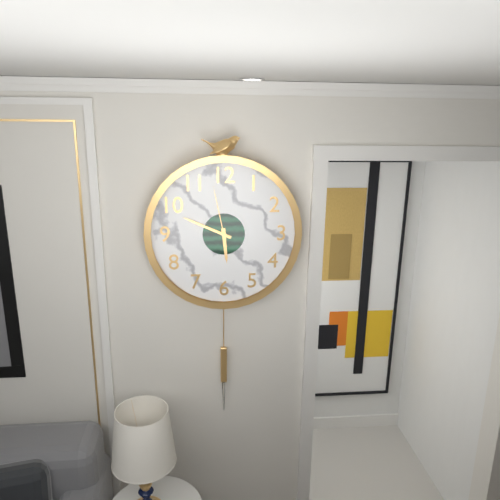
{"hour": 5, "minute": 49, "second": 58}
